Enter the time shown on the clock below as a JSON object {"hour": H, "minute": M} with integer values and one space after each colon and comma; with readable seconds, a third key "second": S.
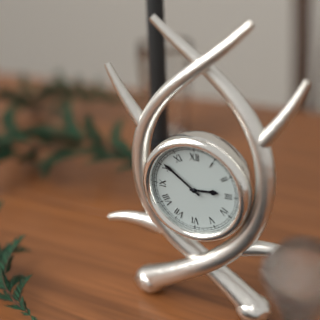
{"hour": 2, "minute": 51}
